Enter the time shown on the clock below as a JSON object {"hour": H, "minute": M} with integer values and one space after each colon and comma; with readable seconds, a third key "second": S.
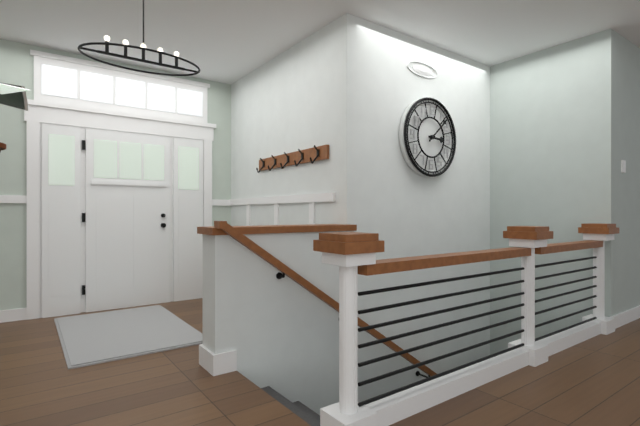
{"hour": 3, "minute": 8}
